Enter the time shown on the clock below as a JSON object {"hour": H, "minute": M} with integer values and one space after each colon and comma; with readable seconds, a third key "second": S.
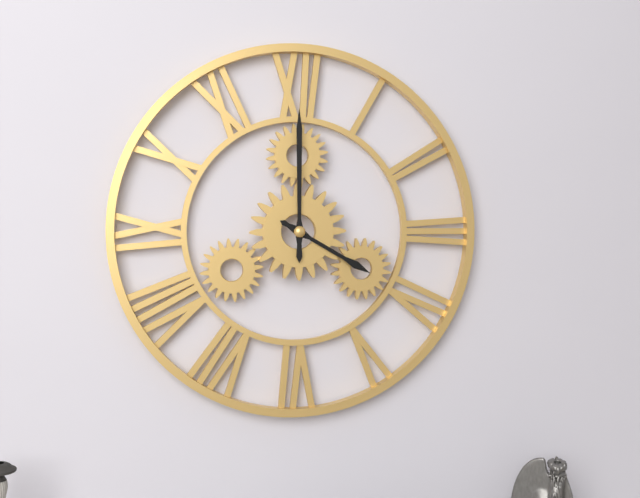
{"hour": 4, "minute": 0}
